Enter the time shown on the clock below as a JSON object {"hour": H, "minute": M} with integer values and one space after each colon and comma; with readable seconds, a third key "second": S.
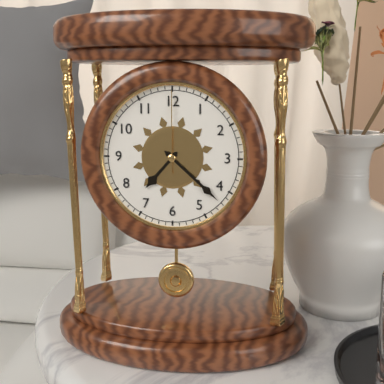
{"hour": 7, "minute": 22, "second": 0}
